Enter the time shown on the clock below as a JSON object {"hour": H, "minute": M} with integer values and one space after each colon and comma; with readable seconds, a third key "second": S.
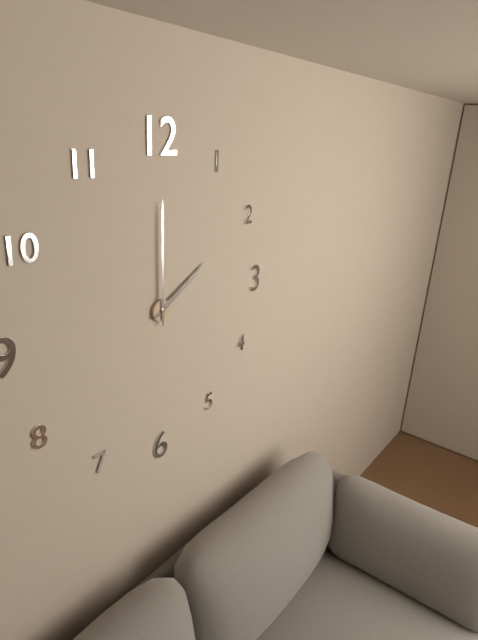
{"hour": 2, "minute": 0}
